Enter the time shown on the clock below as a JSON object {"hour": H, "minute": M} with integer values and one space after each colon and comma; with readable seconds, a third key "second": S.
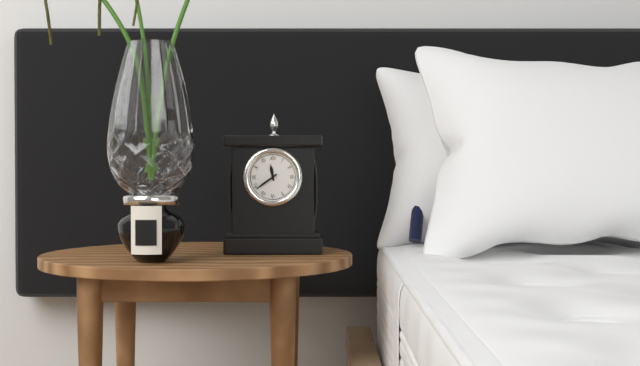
{"hour": 11, "minute": 39}
